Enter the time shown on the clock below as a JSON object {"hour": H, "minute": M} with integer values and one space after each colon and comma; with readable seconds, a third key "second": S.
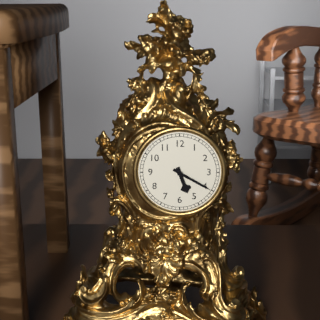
{"hour": 5, "minute": 20}
